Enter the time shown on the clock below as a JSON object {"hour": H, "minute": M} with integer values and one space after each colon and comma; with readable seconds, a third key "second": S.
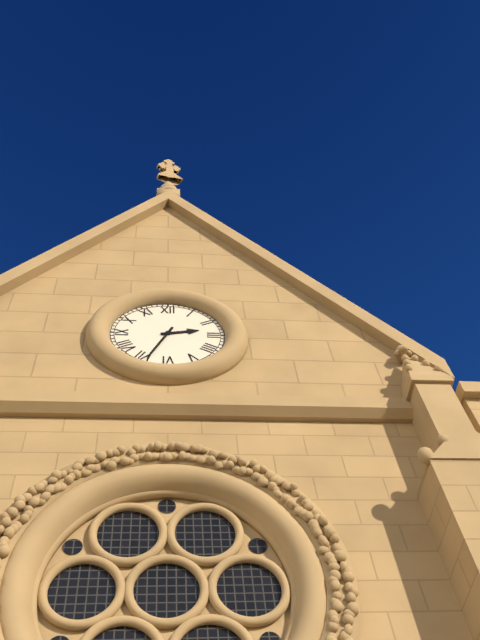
{"hour": 2, "minute": 34}
